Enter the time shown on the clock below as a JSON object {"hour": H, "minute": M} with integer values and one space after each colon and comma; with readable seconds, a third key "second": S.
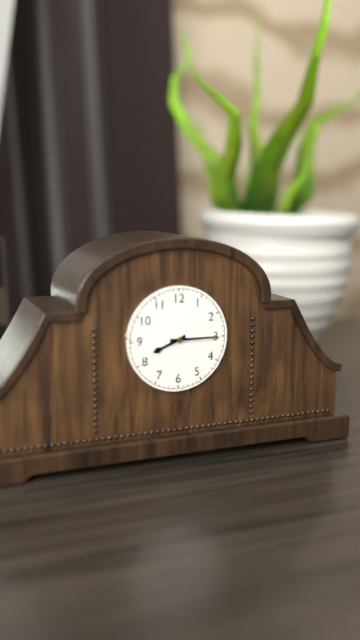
{"hour": 8, "minute": 15}
